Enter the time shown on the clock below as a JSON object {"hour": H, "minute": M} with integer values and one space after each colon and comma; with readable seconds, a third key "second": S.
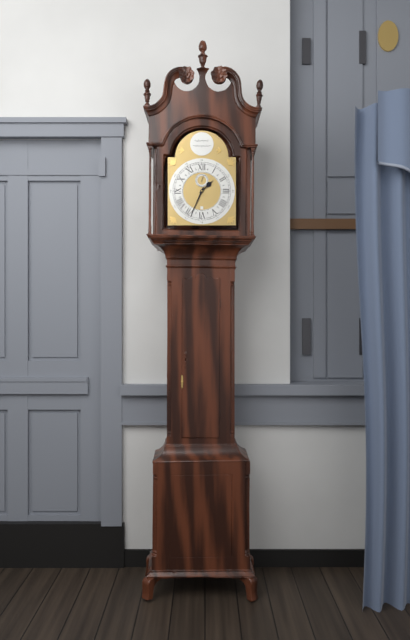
{"hour": 1, "minute": 34}
